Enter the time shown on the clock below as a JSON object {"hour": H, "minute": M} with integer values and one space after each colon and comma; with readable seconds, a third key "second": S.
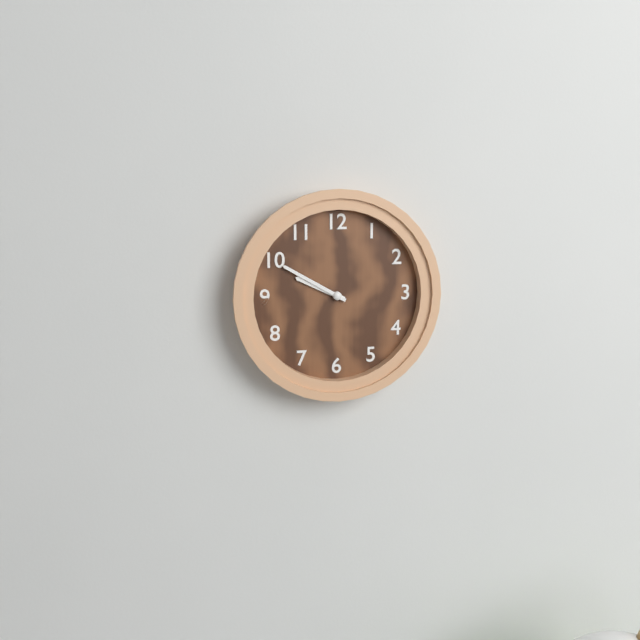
{"hour": 9, "minute": 50}
